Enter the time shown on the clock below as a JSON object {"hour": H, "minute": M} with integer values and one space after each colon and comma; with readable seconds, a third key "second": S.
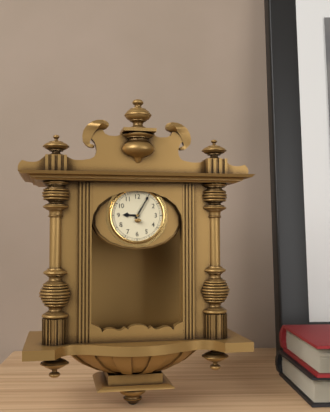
{"hour": 9, "minute": 5}
